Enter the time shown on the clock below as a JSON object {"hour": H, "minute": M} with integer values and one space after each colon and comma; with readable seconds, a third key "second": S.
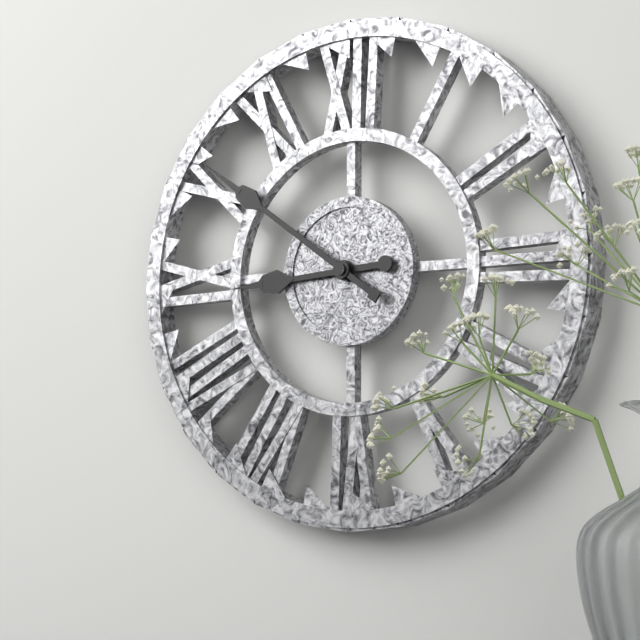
{"hour": 8, "minute": 51}
